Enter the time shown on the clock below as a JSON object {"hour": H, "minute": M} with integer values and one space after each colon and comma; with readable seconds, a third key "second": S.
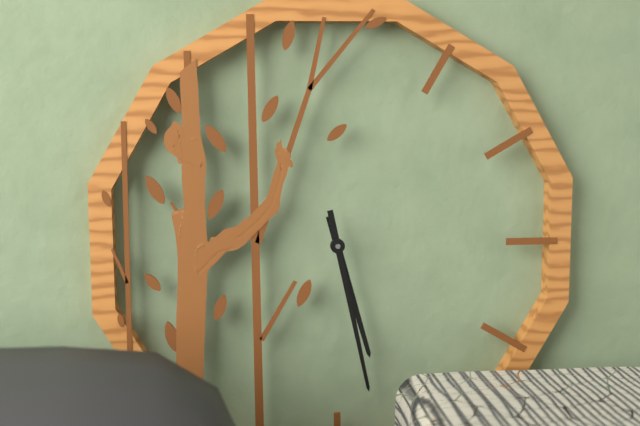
{"hour": 5, "minute": 28}
